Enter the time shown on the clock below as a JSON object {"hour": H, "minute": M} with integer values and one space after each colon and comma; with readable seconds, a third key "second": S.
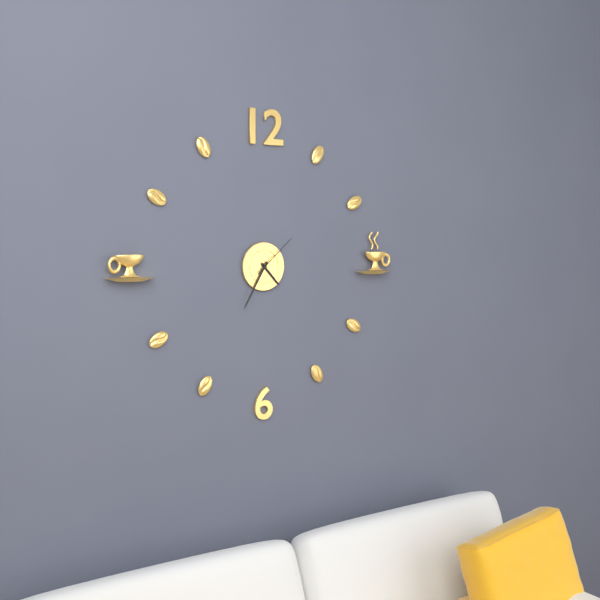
{"hour": 4, "minute": 35}
